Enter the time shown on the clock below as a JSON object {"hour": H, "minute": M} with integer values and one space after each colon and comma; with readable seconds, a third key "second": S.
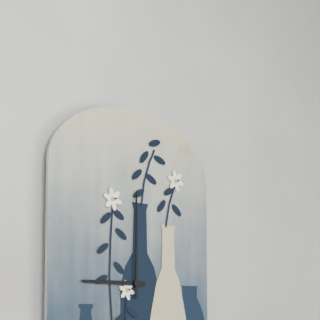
{"hour": 9, "minute": 0}
